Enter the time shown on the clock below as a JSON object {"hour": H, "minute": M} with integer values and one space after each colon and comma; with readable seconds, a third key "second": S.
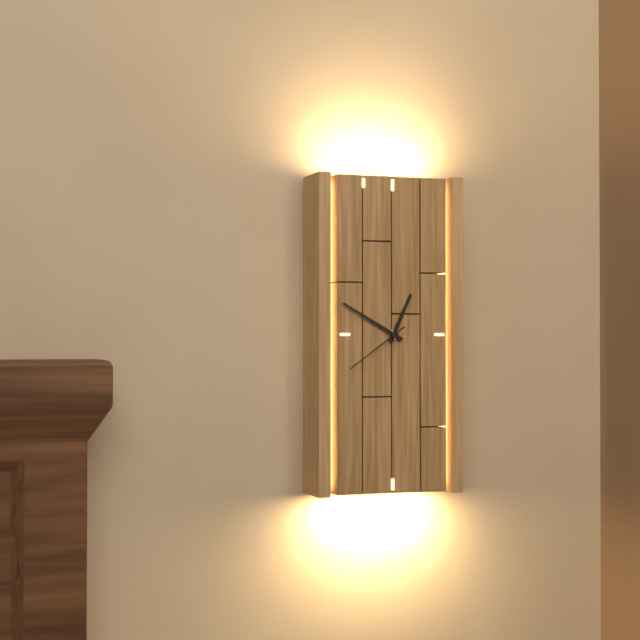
{"hour": 12, "minute": 50, "second": 39}
